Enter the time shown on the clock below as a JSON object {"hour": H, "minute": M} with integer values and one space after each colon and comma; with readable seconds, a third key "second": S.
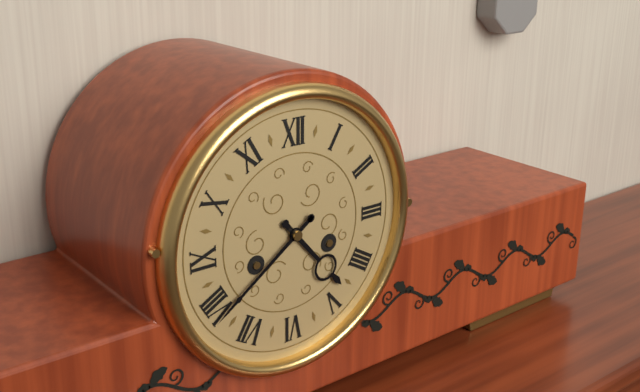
{"hour": 4, "minute": 39}
